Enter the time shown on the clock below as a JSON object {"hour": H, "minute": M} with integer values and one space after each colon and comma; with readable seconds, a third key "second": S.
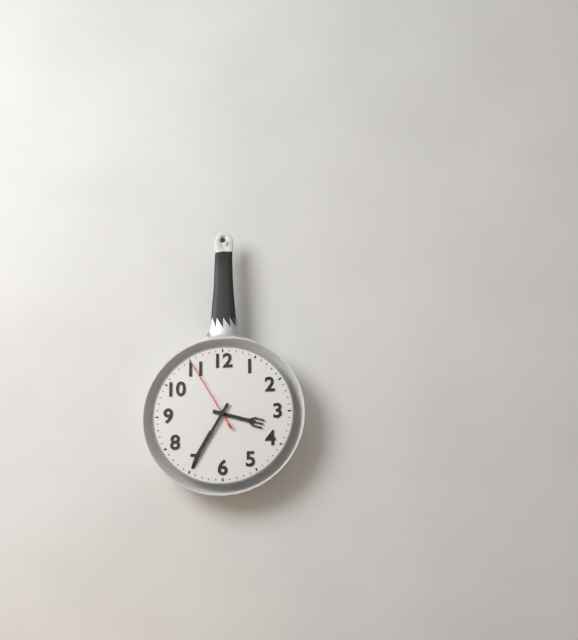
{"hour": 3, "minute": 35, "second": 55}
